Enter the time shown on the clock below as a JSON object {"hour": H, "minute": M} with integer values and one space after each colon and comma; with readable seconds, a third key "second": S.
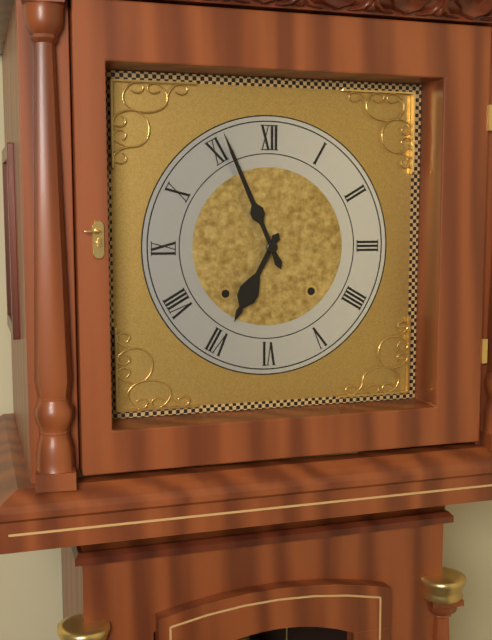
{"hour": 6, "minute": 56}
